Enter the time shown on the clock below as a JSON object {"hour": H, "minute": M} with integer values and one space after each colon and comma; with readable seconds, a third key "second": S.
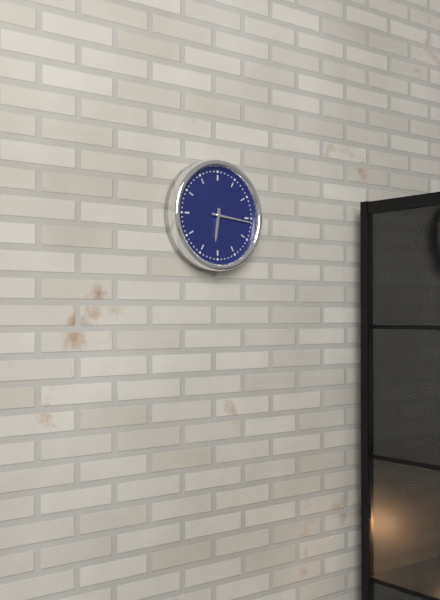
{"hour": 6, "minute": 16}
